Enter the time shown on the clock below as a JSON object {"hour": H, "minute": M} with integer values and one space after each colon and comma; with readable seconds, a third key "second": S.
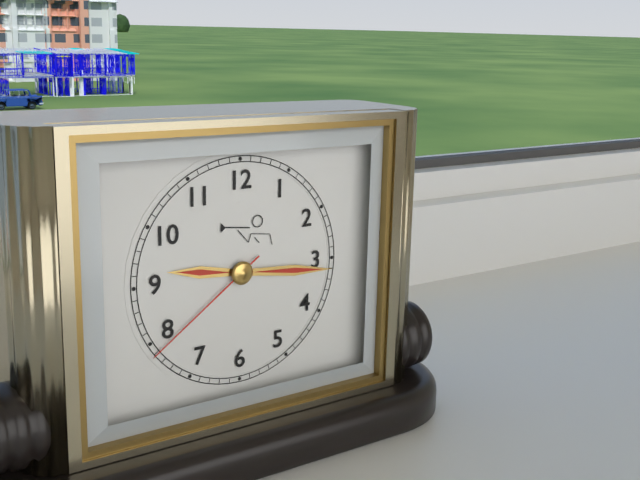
{"hour": 9, "minute": 16, "second": 39}
